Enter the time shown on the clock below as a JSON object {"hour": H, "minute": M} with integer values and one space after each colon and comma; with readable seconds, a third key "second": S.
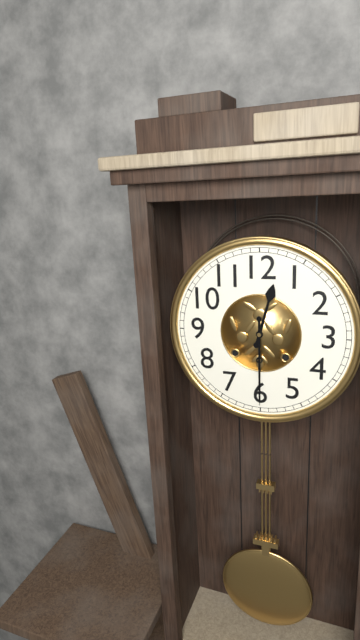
{"hour": 12, "minute": 30}
